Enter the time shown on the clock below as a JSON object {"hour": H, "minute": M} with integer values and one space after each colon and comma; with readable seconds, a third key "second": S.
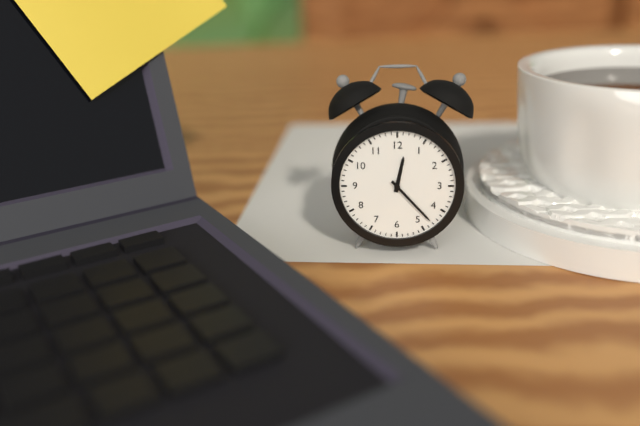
{"hour": 12, "minute": 23}
